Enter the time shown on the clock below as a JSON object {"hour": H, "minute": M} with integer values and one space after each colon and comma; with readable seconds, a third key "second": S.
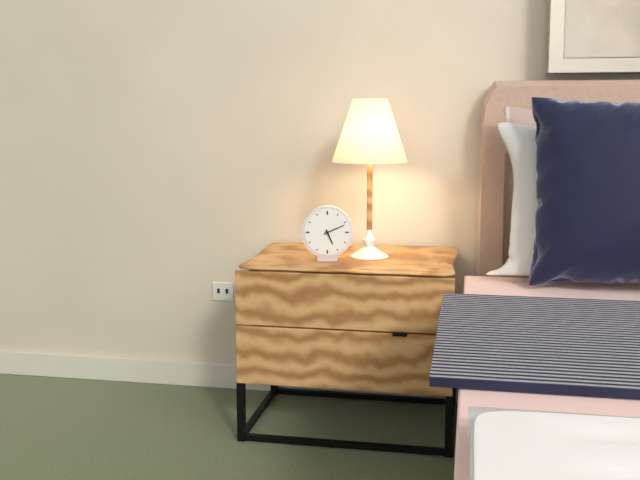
{"hour": 5, "minute": 11}
